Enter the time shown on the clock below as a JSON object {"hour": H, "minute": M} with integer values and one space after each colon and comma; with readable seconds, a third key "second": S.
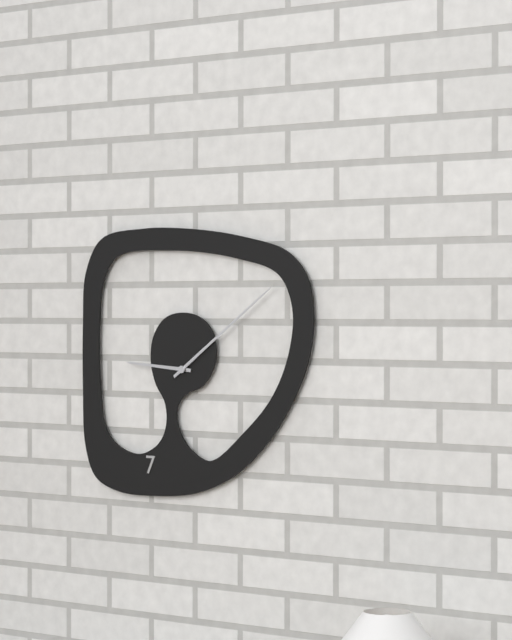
{"hour": 9, "minute": 9}
